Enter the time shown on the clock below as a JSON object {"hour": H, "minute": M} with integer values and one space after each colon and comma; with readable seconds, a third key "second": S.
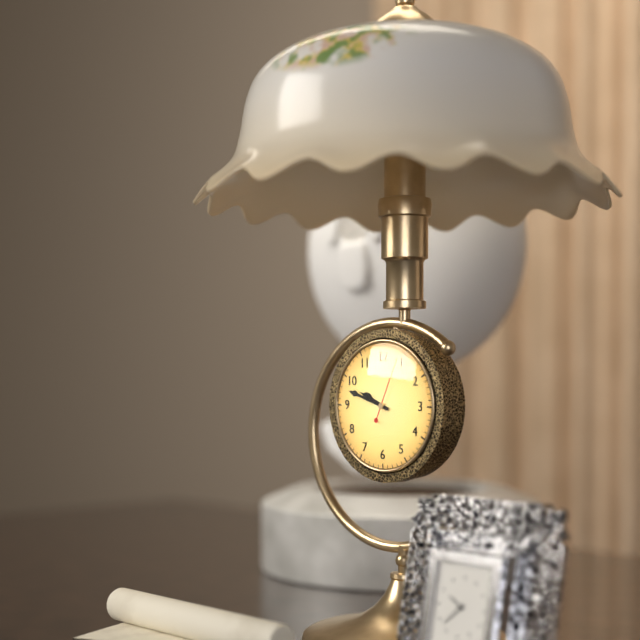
{"hour": 9, "minute": 48, "second": 4}
